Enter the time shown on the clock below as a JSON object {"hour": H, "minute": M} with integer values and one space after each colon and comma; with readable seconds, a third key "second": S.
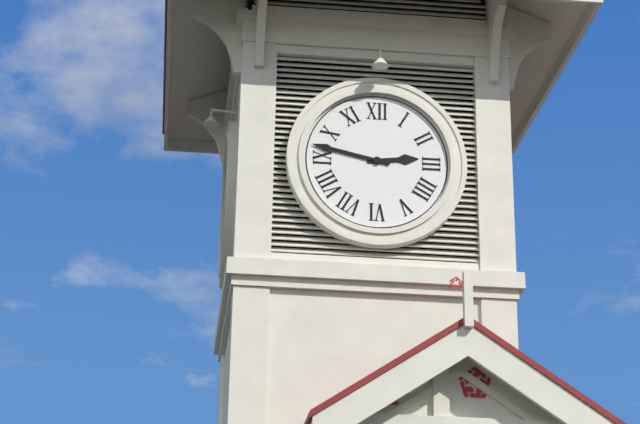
{"hour": 2, "minute": 47}
